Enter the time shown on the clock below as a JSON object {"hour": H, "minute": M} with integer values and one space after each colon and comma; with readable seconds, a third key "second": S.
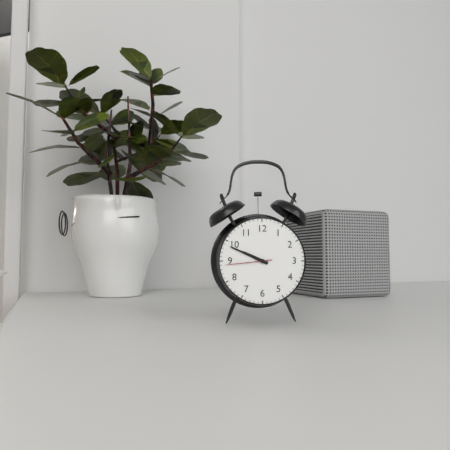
{"hour": 9, "minute": 49}
